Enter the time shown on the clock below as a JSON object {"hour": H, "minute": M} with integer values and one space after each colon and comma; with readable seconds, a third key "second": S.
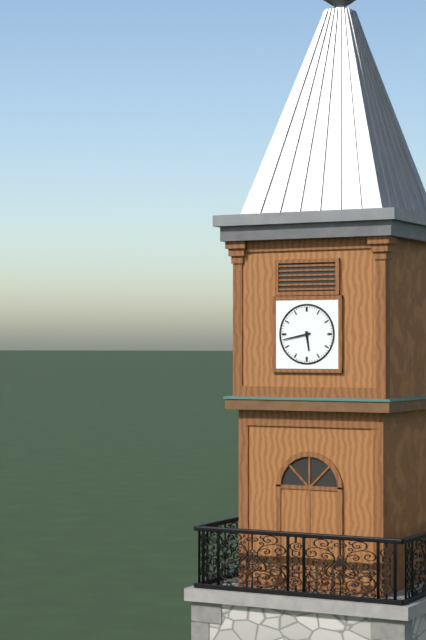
{"hour": 5, "minute": 43}
